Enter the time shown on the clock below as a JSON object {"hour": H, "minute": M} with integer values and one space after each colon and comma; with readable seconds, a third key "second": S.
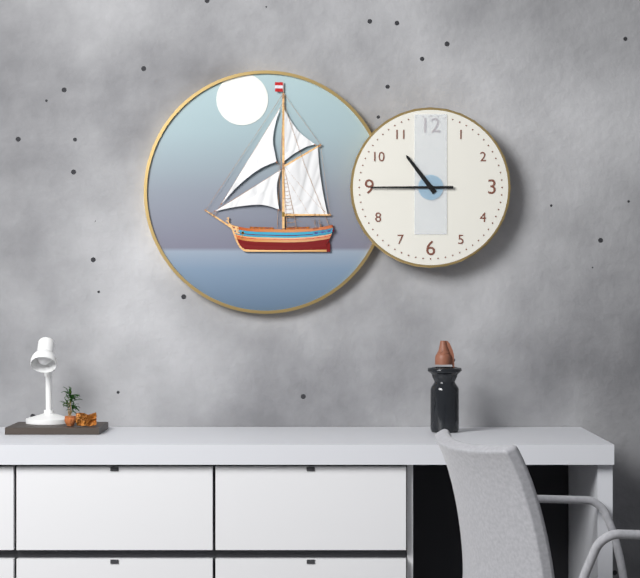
{"hour": 10, "minute": 45}
